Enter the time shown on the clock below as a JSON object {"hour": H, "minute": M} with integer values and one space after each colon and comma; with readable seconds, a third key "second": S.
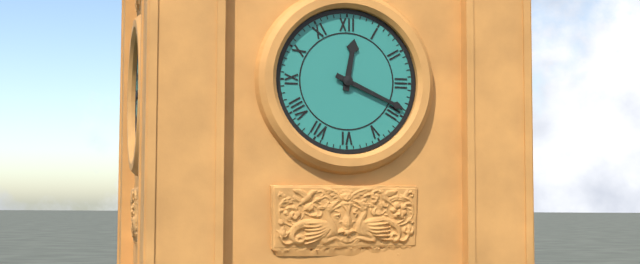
{"hour": 12, "minute": 19}
